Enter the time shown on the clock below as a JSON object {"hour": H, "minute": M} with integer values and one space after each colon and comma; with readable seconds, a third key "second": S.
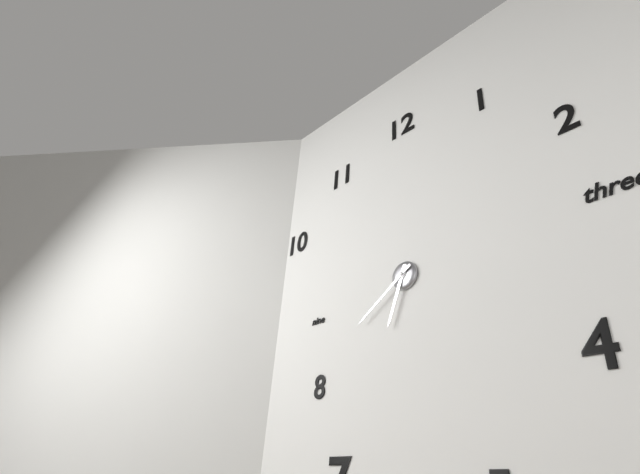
{"hour": 6, "minute": 39}
